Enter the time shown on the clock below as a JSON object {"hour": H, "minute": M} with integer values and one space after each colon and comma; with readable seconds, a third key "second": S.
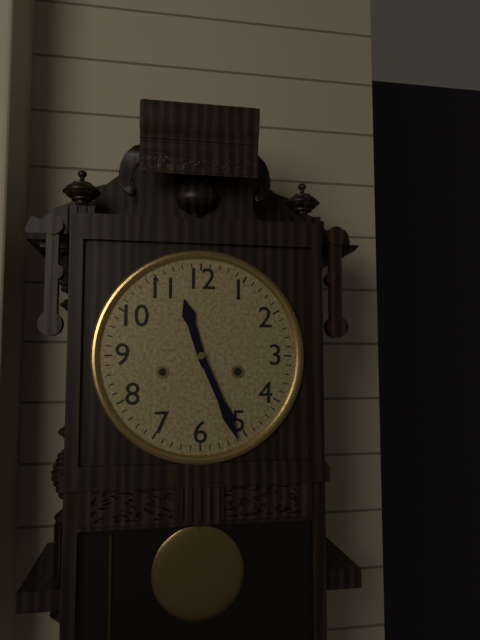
{"hour": 11, "minute": 26}
